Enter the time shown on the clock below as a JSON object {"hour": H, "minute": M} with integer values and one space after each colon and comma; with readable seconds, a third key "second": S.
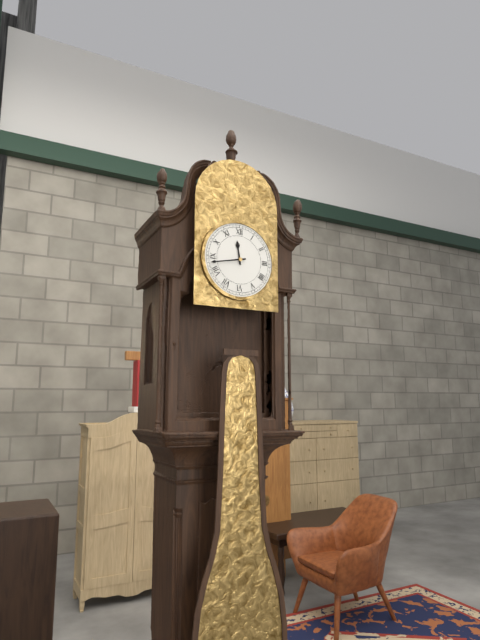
{"hour": 11, "minute": 43}
